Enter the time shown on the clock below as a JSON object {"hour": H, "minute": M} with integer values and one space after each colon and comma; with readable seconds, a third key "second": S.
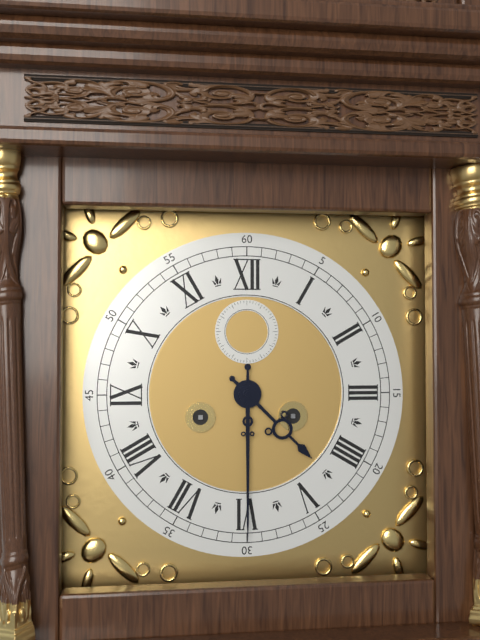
{"hour": 4, "minute": 30}
